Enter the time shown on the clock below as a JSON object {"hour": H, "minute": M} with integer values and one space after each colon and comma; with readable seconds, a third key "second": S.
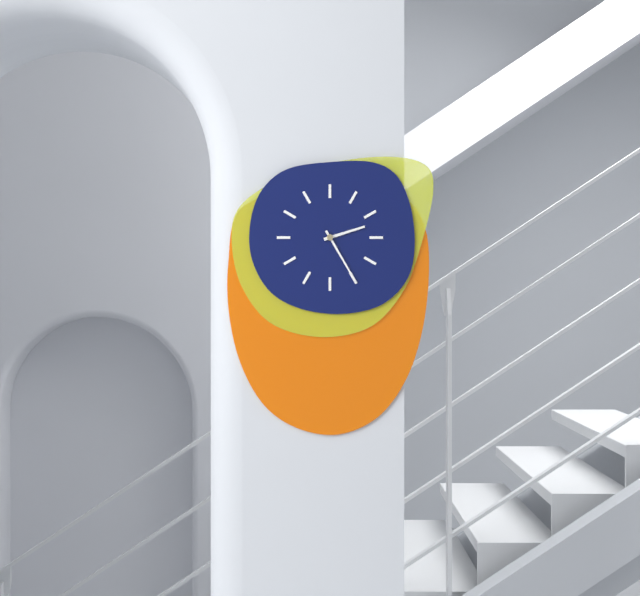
{"hour": 2, "minute": 25}
